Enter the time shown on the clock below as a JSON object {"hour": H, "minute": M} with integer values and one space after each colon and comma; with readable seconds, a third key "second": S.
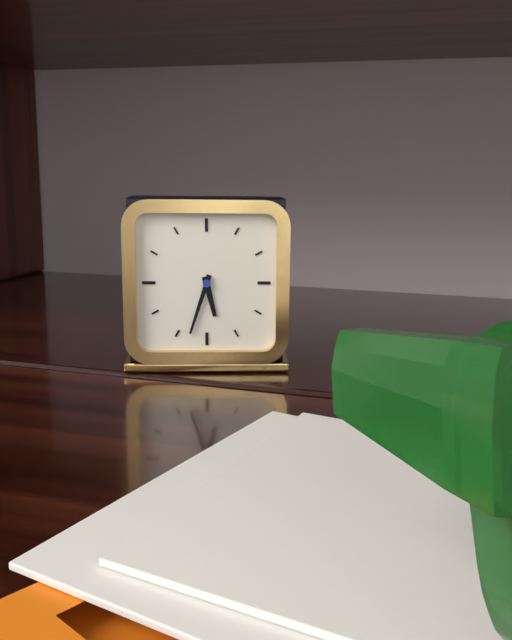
{"hour": 5, "minute": 33}
